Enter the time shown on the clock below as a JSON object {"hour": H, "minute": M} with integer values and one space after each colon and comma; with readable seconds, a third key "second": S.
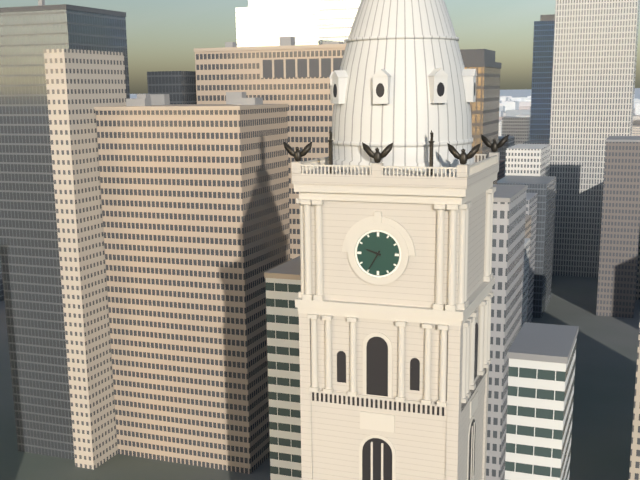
{"hour": 9, "minute": 35}
